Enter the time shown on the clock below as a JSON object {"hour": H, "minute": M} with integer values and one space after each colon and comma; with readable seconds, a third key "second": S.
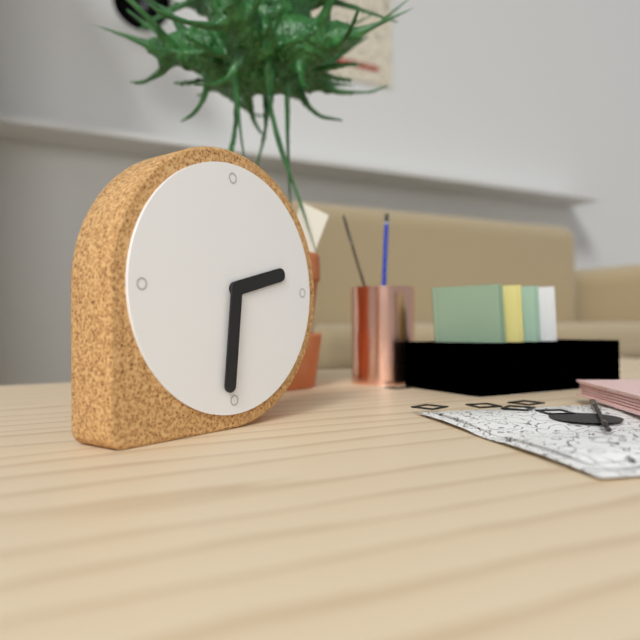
{"hour": 2, "minute": 31}
